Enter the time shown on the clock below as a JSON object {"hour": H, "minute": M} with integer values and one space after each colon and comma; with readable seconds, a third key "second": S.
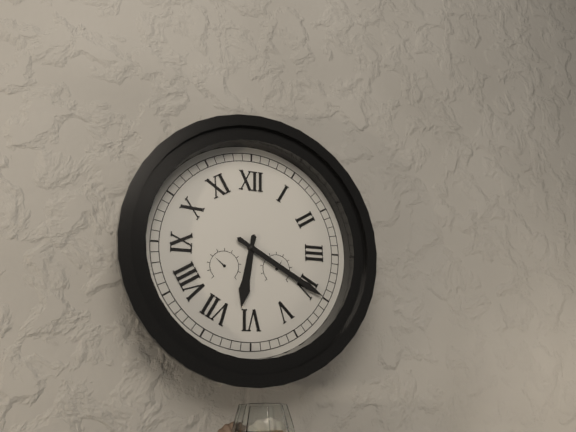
{"hour": 6, "minute": 20}
